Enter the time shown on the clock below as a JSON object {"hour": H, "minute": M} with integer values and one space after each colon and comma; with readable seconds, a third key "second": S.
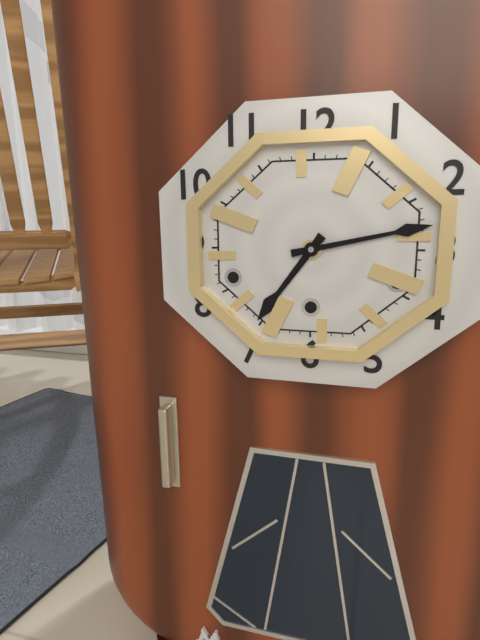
{"hour": 7, "minute": 13}
